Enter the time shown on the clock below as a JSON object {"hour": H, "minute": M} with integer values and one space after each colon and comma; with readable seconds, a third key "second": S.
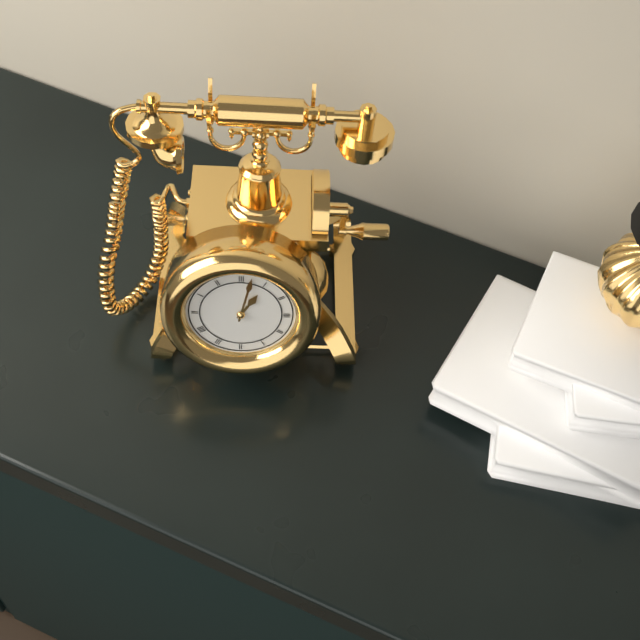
{"hour": 1, "minute": 2}
